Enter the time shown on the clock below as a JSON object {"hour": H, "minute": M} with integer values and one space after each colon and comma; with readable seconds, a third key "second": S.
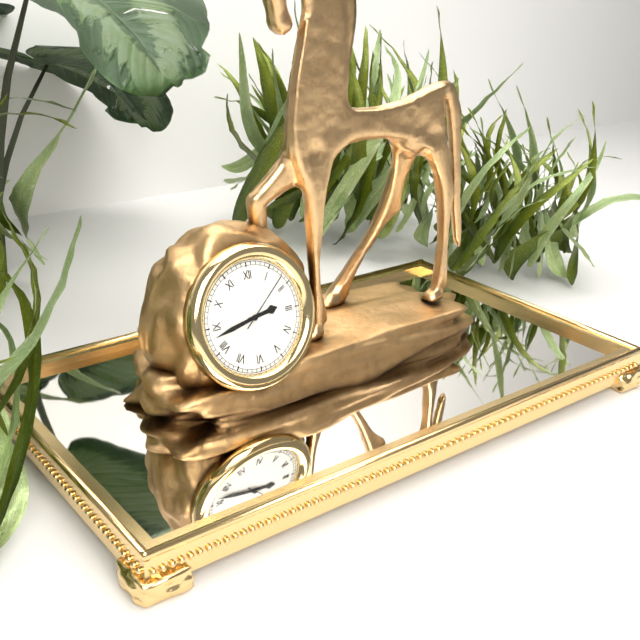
{"hour": 2, "minute": 43, "second": 8}
